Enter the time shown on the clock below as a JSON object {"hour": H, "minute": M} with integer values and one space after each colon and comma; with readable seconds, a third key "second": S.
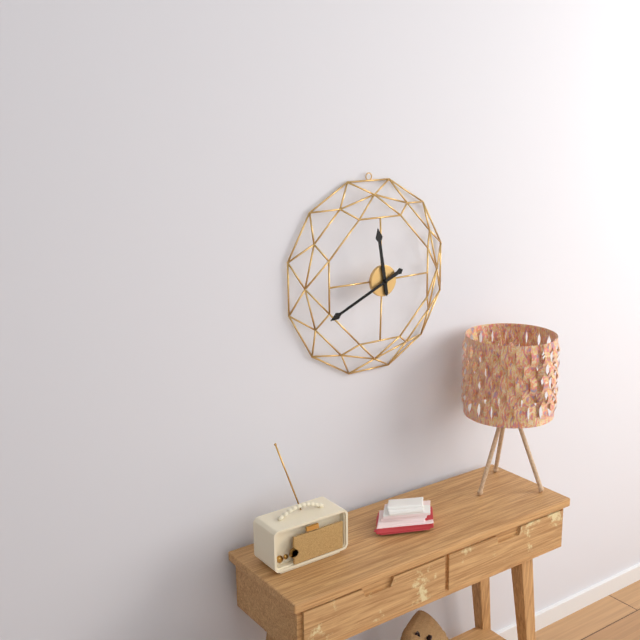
{"hour": 11, "minute": 41}
